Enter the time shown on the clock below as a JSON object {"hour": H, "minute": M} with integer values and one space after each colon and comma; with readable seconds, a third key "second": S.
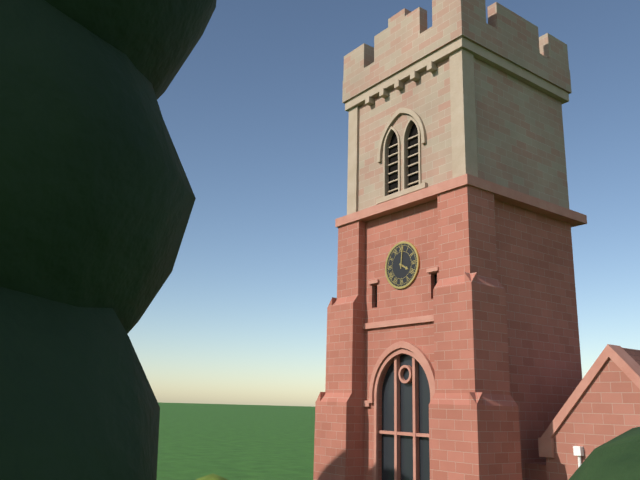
{"hour": 4, "minute": 1}
